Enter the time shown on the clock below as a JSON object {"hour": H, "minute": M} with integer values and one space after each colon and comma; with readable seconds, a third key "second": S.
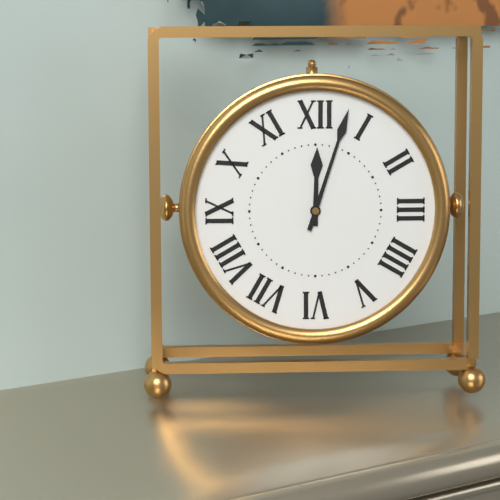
{"hour": 12, "minute": 3}
